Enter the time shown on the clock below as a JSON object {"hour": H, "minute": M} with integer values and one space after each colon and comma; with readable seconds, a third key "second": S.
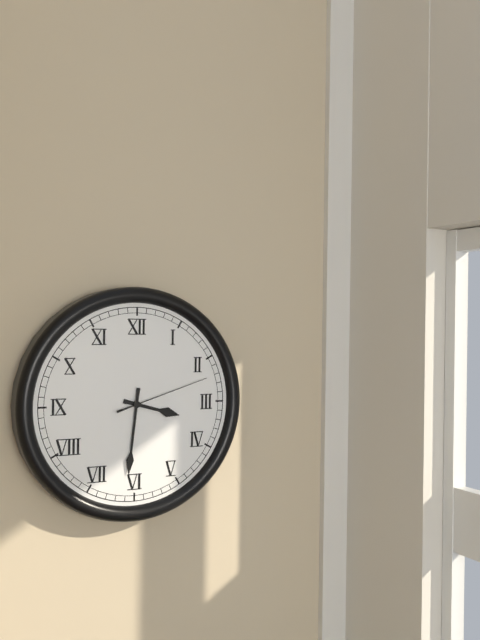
{"hour": 3, "minute": 31, "second": 12}
